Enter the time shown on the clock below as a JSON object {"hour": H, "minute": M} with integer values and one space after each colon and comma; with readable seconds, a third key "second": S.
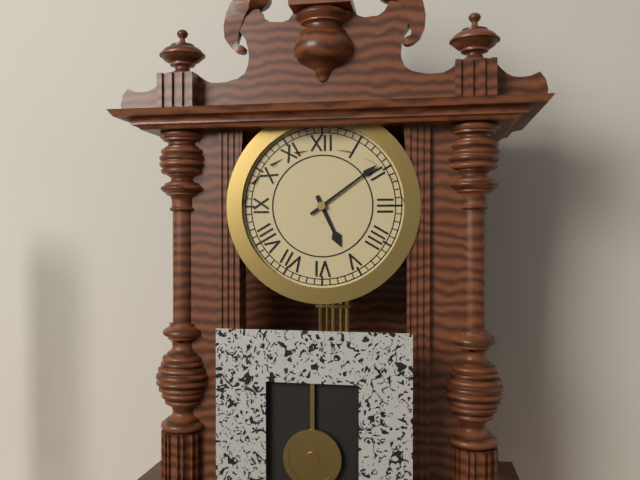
{"hour": 5, "minute": 9}
